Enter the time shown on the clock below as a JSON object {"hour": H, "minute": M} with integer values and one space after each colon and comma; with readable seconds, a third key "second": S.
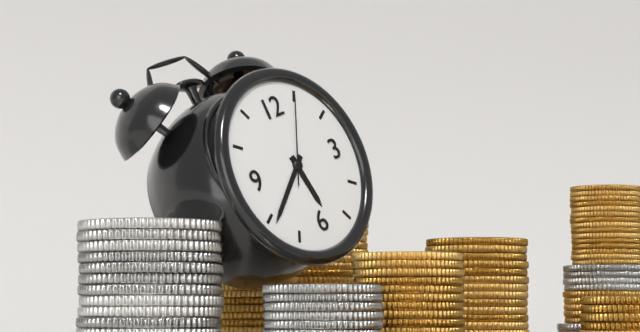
{"hour": 5, "minute": 39, "second": 5}
